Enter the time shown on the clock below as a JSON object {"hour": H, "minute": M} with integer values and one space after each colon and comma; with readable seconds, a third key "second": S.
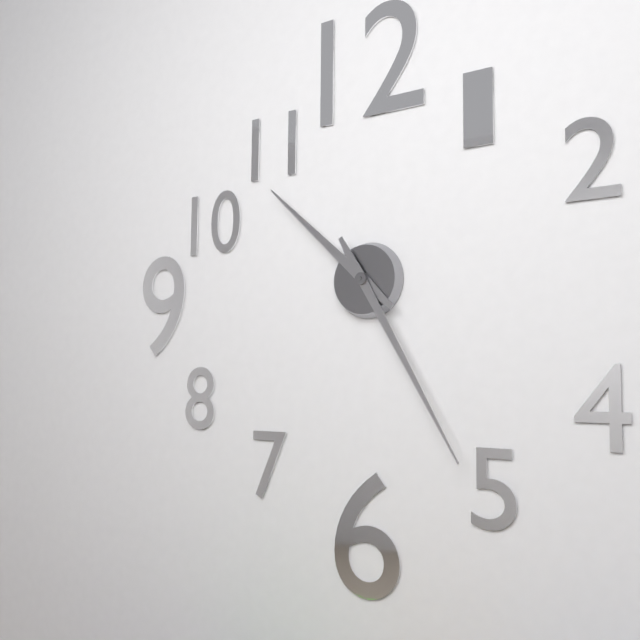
{"hour": 10, "minute": 25}
